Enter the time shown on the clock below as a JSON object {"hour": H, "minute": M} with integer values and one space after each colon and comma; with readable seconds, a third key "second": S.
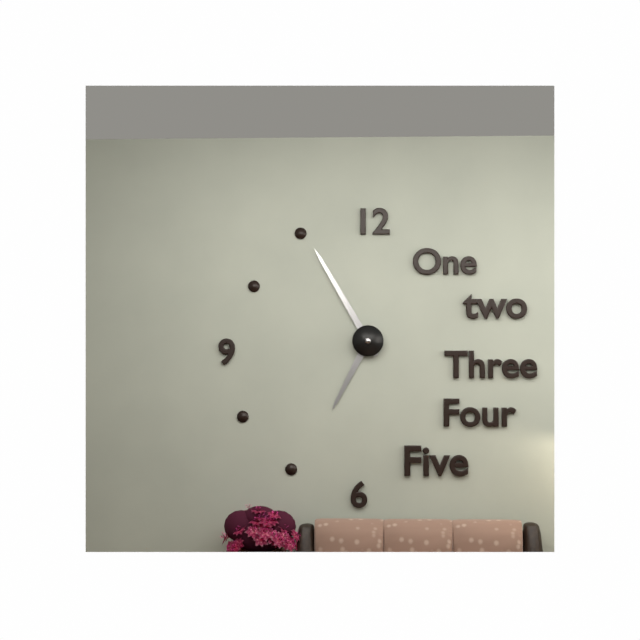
{"hour": 6, "minute": 55}
